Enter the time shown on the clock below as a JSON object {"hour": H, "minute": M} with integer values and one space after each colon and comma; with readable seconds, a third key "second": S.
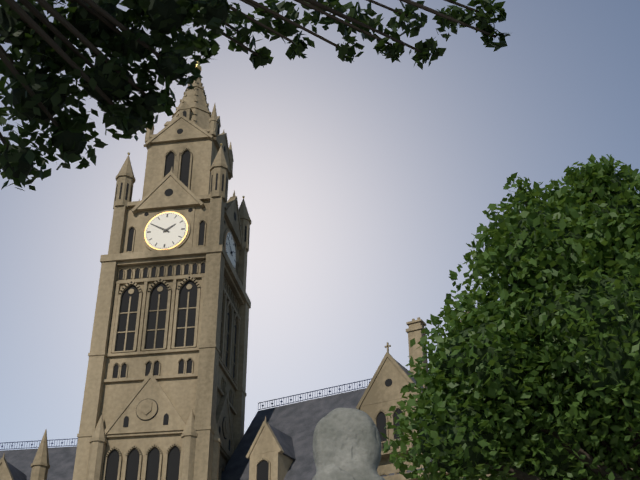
{"hour": 1, "minute": 50}
